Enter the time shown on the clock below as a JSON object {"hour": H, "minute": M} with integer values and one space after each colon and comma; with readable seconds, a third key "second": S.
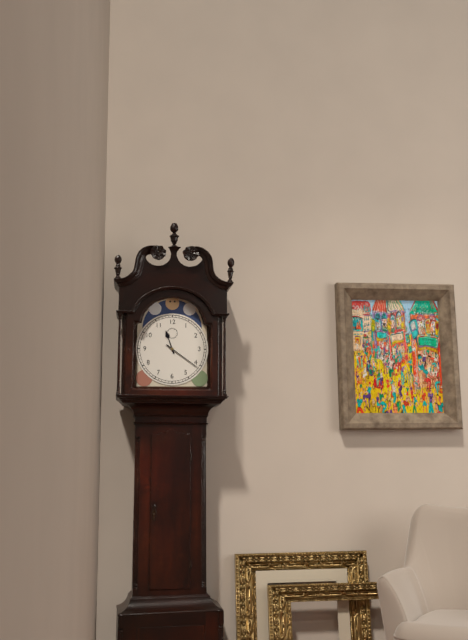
{"hour": 11, "minute": 21}
